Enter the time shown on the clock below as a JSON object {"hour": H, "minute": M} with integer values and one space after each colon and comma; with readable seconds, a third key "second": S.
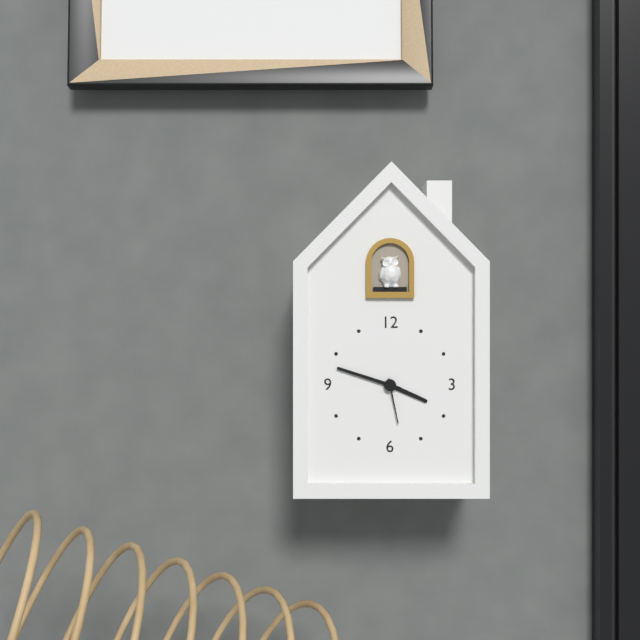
{"hour": 3, "minute": 48}
